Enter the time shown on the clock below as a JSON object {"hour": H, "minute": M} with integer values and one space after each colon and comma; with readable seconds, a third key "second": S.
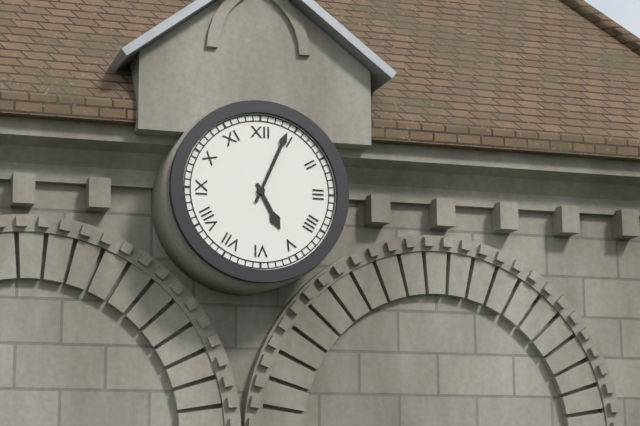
{"hour": 5, "minute": 4}
